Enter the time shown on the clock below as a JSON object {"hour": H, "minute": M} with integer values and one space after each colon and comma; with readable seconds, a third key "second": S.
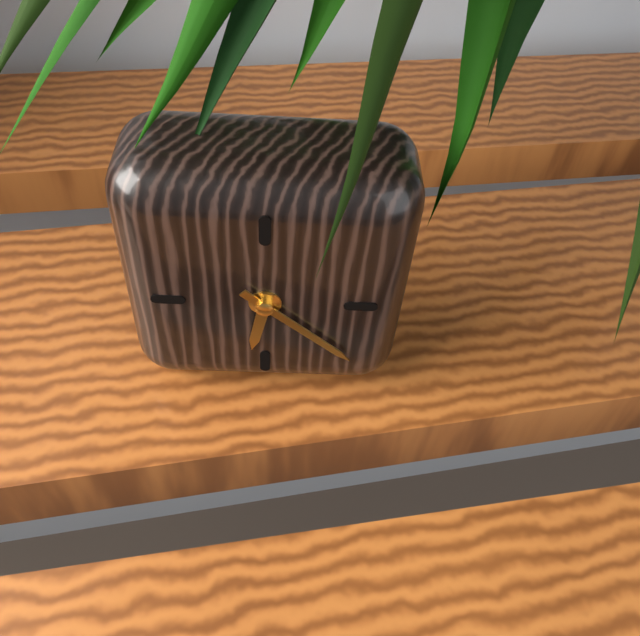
{"hour": 6, "minute": 22}
